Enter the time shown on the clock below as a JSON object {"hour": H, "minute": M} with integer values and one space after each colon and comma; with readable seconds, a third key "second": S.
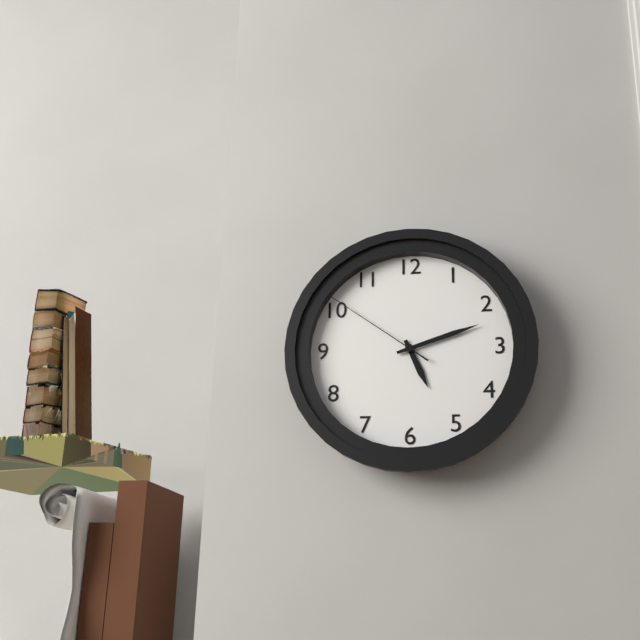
{"hour": 5, "minute": 12, "second": 51}
